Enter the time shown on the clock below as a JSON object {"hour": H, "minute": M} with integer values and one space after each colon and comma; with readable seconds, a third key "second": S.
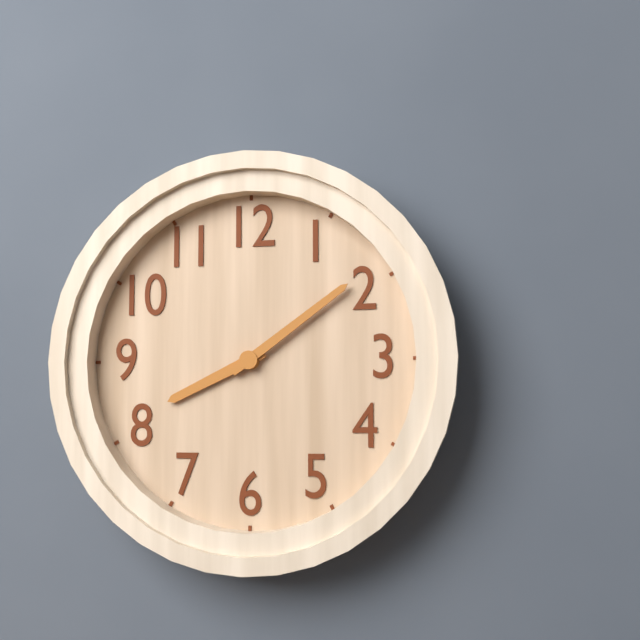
{"hour": 8, "minute": 9}
